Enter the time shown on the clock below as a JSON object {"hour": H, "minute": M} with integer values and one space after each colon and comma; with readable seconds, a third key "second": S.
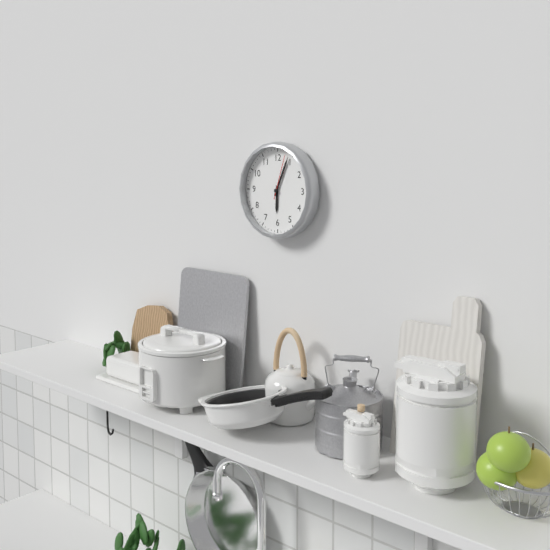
{"hour": 6, "minute": 4}
